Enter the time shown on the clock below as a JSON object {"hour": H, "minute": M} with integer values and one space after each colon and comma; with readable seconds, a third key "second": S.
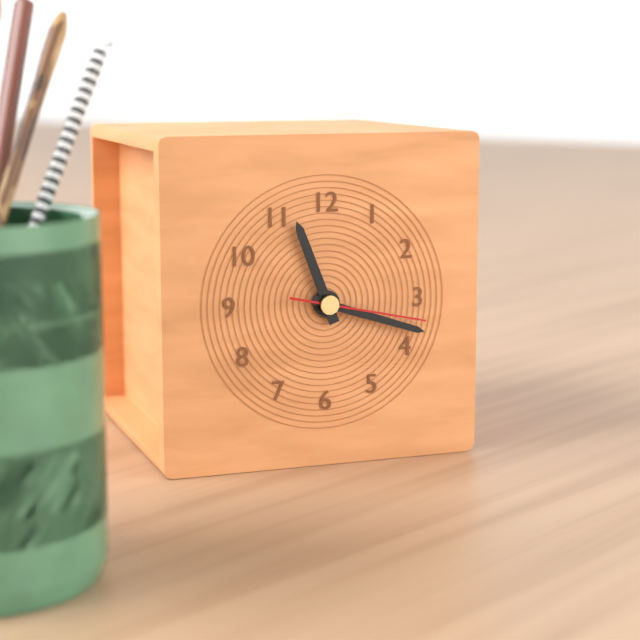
{"hour": 11, "minute": 18, "second": 17}
